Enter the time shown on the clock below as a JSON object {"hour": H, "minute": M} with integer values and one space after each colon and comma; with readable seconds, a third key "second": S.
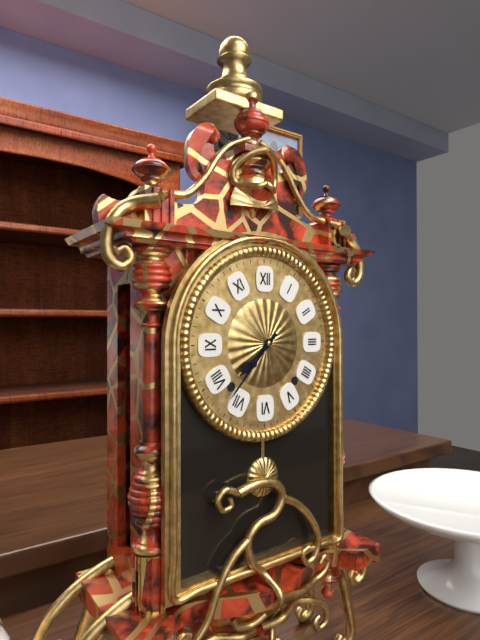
{"hour": 7, "minute": 37}
